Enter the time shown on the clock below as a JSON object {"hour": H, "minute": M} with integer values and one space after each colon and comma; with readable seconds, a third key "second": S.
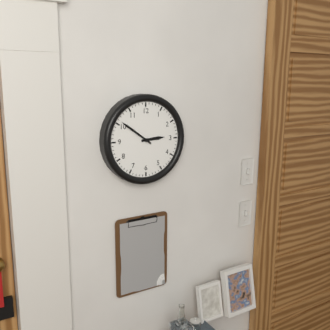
{"hour": 2, "minute": 51}
